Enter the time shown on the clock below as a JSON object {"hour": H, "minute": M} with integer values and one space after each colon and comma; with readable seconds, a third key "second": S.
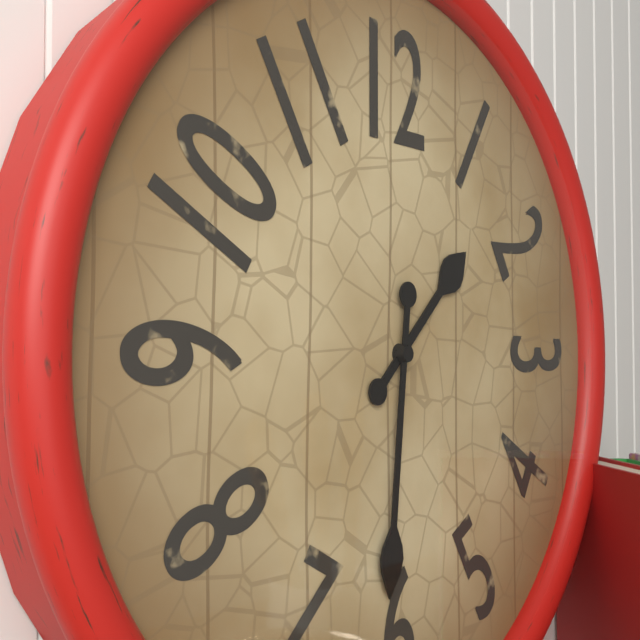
{"hour": 1, "minute": 31}
